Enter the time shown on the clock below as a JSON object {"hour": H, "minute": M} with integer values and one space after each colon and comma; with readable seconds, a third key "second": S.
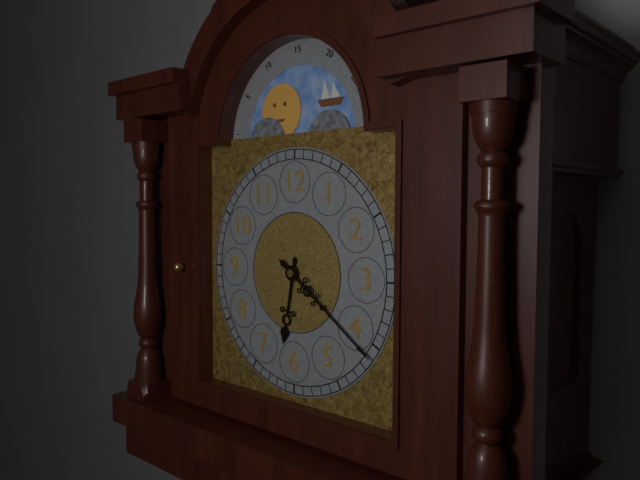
{"hour": 6, "minute": 21}
